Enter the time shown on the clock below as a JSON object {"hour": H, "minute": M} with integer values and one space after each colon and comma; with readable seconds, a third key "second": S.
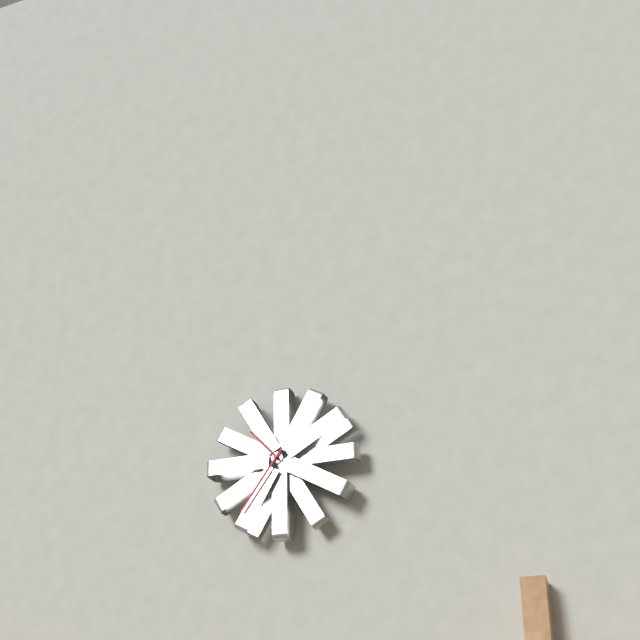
{"hour": 10, "minute": 36}
